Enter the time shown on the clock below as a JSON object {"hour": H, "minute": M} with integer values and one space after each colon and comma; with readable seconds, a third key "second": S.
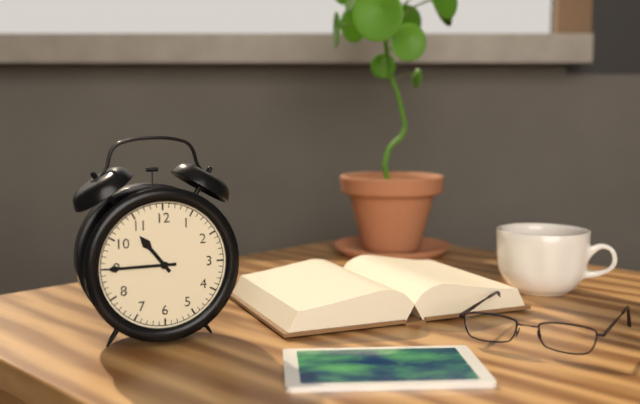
{"hour": 10, "minute": 45}
